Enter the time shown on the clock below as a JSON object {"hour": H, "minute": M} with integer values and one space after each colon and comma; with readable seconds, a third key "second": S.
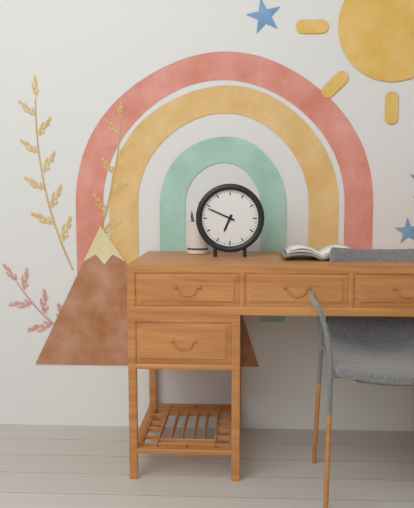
{"hour": 6, "minute": 49}
